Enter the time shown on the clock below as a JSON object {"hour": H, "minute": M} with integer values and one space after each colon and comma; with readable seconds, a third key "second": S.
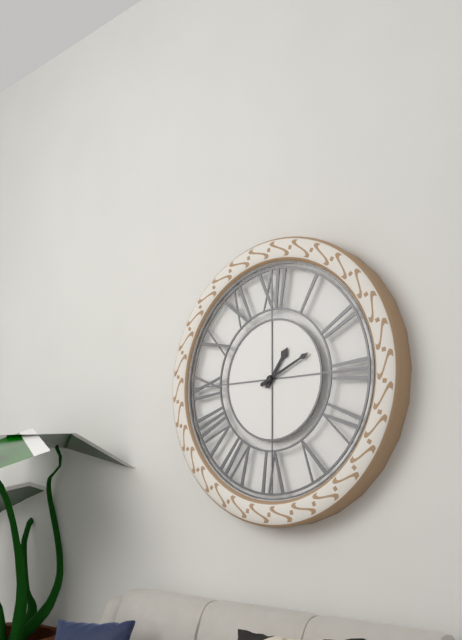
{"hour": 1, "minute": 11}
